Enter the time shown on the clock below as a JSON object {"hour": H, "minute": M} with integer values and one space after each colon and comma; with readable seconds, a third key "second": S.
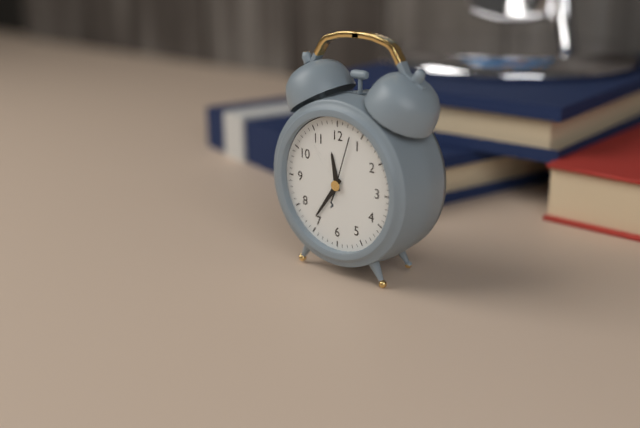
{"hour": 11, "minute": 36, "second": 3}
